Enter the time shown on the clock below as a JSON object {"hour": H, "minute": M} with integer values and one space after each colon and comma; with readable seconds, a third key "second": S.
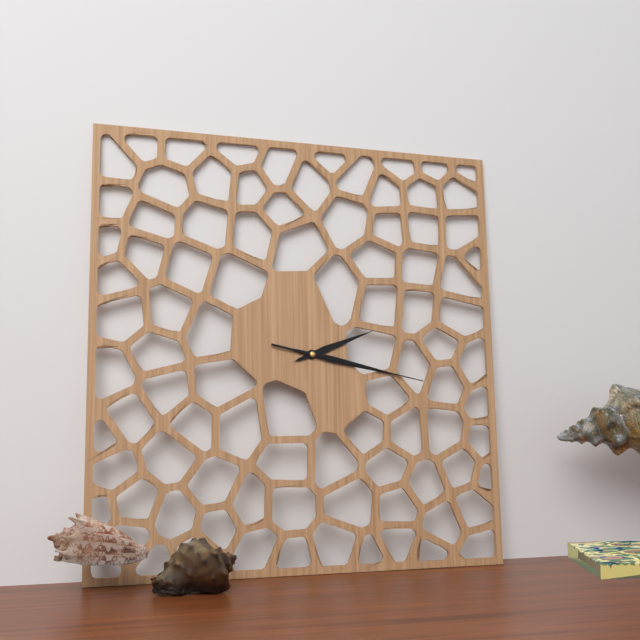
{"hour": 2, "minute": 17, "second": 17}
